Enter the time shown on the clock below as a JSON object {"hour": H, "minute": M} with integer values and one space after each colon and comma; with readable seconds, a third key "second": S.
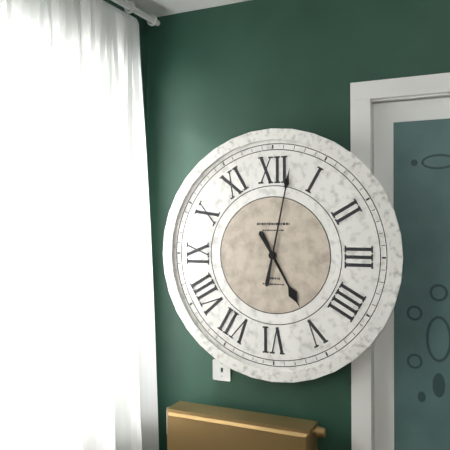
{"hour": 5, "minute": 2}
